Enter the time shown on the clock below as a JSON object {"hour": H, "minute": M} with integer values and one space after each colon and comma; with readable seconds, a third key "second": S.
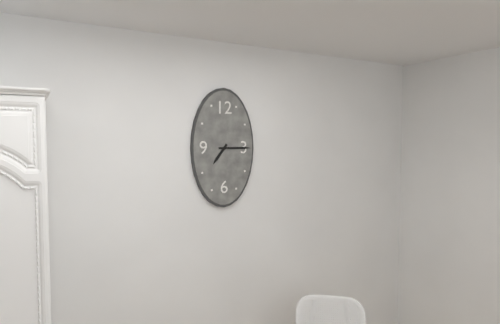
{"hour": 7, "minute": 15}
